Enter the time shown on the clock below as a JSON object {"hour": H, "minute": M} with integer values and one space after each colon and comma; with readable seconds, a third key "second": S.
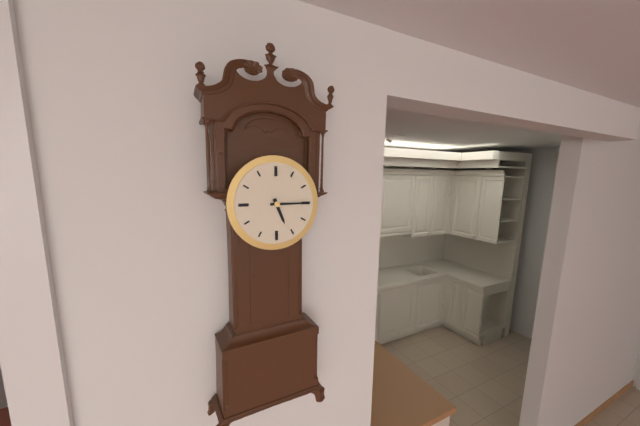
{"hour": 5, "minute": 15}
